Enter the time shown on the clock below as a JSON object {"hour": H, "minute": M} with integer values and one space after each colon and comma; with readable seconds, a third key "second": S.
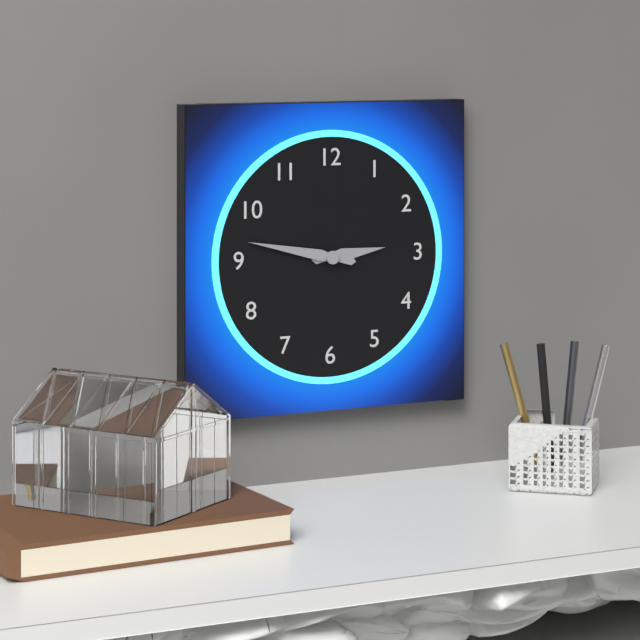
{"hour": 2, "minute": 47}
